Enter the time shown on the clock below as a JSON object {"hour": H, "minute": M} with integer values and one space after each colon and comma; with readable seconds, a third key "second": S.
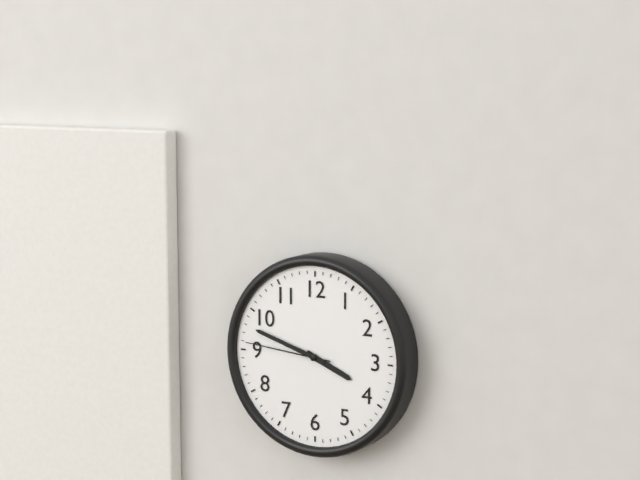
{"hour": 3, "minute": 48, "second": 46}
